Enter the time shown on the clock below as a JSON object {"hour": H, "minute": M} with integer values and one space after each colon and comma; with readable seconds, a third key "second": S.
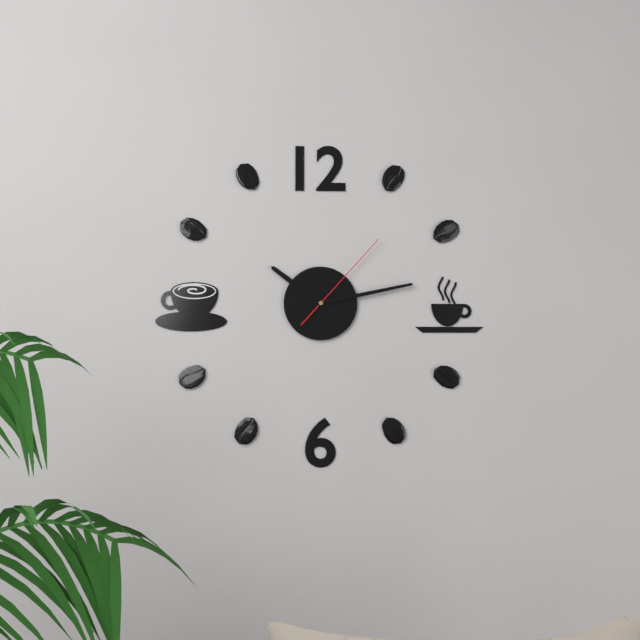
{"hour": 10, "minute": 13, "second": 7}
